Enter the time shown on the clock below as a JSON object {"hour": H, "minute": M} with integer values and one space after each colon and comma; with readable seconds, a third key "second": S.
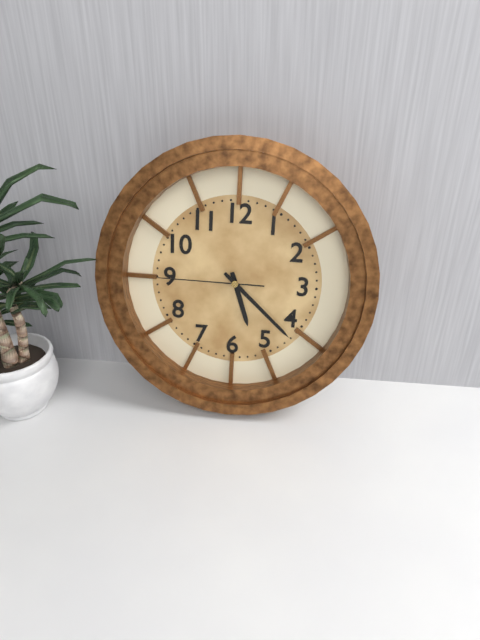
{"hour": 5, "minute": 22, "second": 45}
